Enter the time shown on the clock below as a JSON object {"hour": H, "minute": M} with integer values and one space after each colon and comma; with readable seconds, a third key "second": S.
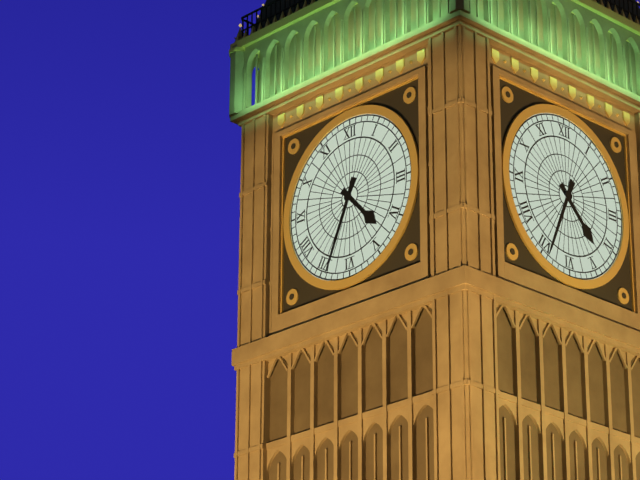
{"hour": 4, "minute": 34}
